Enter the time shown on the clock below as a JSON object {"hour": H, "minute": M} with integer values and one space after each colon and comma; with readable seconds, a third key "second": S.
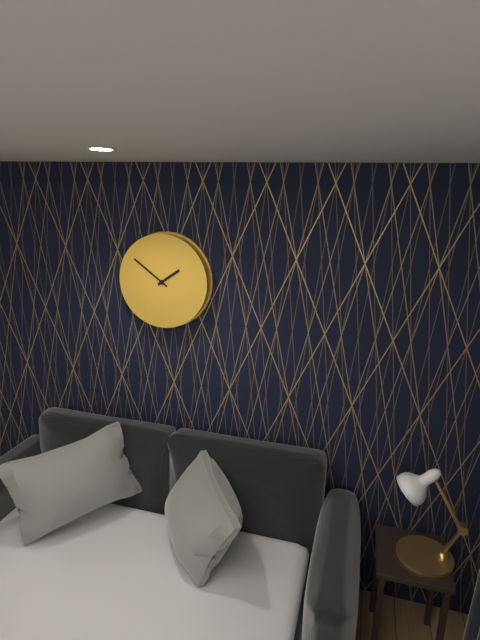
{"hour": 1, "minute": 51}
